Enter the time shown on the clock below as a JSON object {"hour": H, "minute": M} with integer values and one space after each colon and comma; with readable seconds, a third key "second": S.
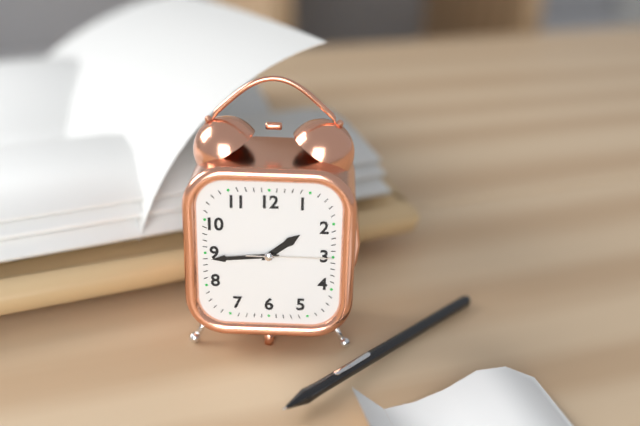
{"hour": 1, "minute": 44, "second": 15}
